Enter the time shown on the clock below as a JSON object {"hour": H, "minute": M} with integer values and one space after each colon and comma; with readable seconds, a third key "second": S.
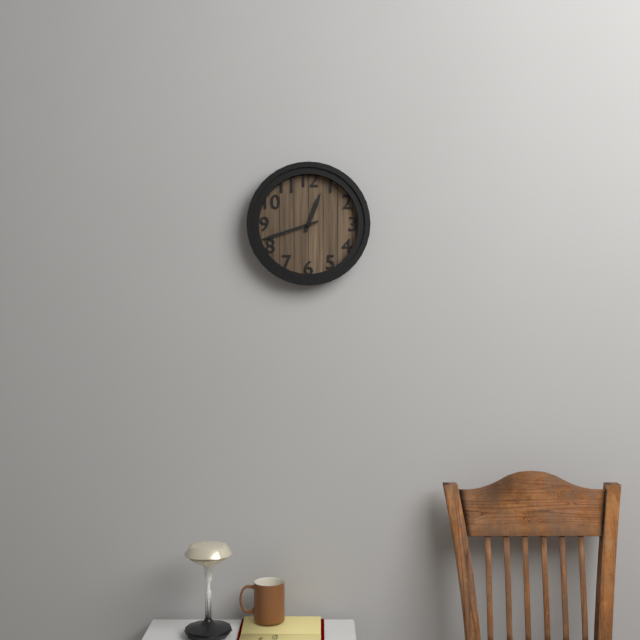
{"hour": 12, "minute": 42}
